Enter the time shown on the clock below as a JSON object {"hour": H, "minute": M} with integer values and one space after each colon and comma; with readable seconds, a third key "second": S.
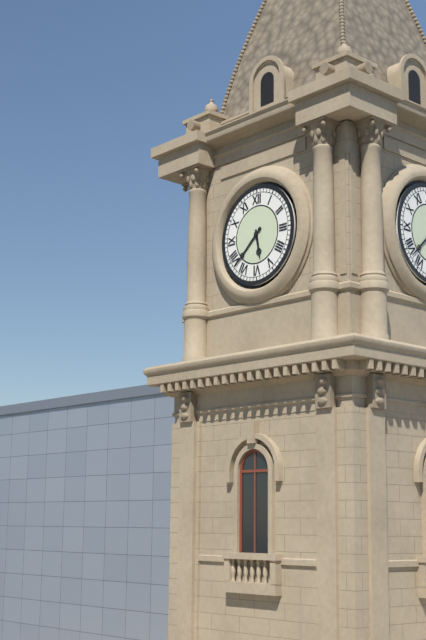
{"hour": 5, "minute": 38}
